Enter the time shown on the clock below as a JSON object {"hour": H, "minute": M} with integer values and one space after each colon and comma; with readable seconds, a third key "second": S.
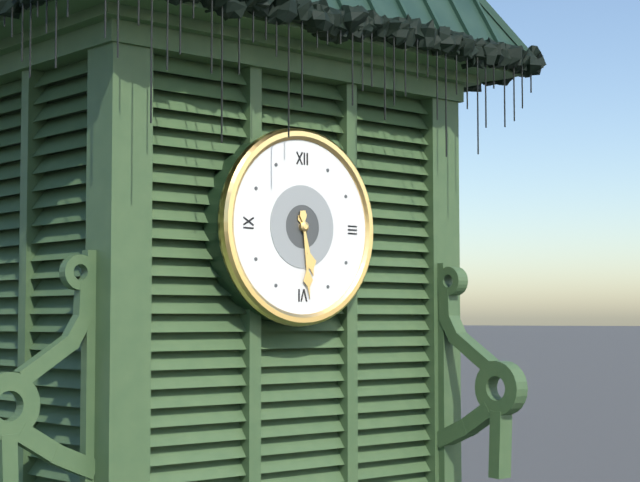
{"hour": 5, "minute": 29}
